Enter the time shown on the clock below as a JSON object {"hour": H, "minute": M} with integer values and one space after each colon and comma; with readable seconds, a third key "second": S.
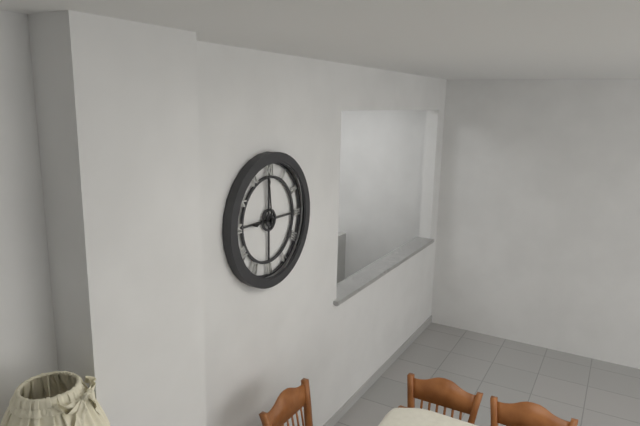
{"hour": 8, "minute": 59}
